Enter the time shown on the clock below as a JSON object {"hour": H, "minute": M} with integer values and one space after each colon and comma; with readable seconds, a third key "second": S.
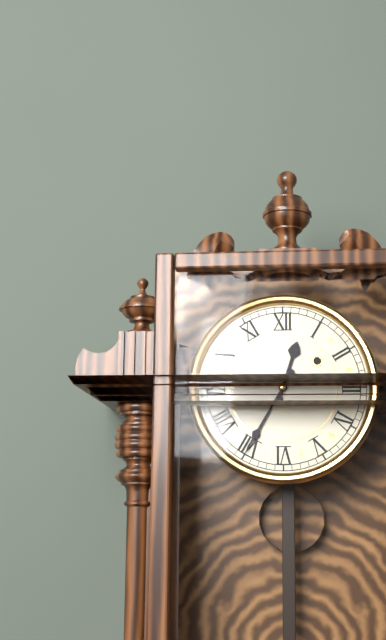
{"hour": 12, "minute": 35}
